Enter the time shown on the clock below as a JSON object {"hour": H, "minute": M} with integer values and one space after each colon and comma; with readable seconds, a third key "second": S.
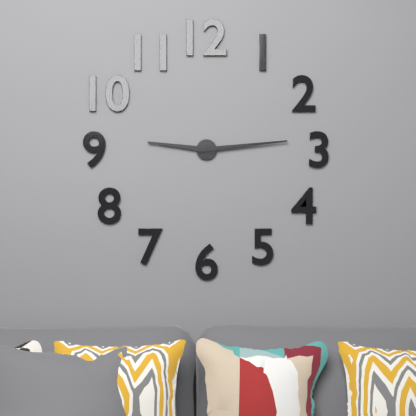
{"hour": 9, "minute": 14}
